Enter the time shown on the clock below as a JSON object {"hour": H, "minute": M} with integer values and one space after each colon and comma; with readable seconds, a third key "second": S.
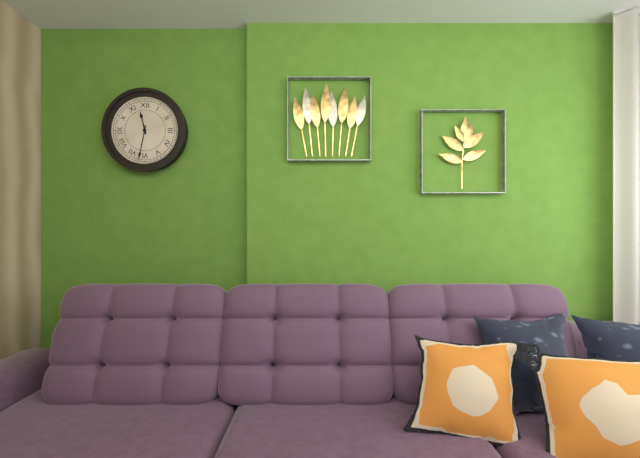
{"hour": 11, "minute": 32}
